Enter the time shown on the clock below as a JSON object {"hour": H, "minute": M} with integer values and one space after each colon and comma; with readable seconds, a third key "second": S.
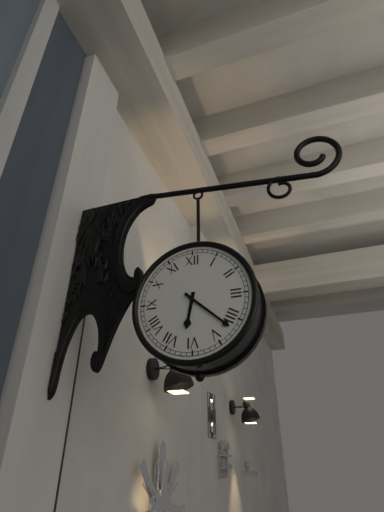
{"hour": 6, "minute": 22}
